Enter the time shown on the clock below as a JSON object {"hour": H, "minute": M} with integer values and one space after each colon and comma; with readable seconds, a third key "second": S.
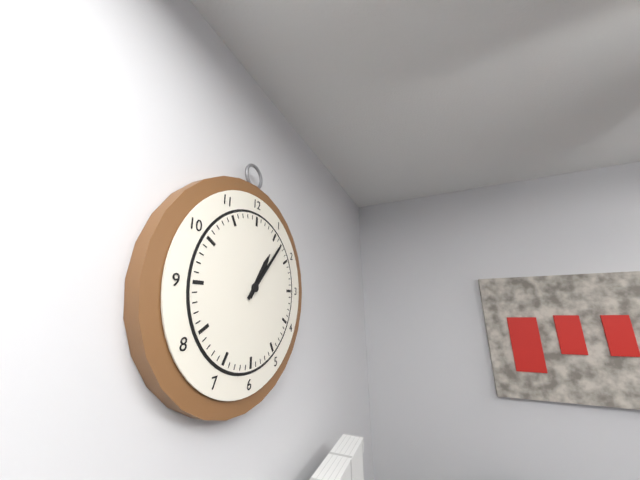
{"hour": 1, "minute": 7}
